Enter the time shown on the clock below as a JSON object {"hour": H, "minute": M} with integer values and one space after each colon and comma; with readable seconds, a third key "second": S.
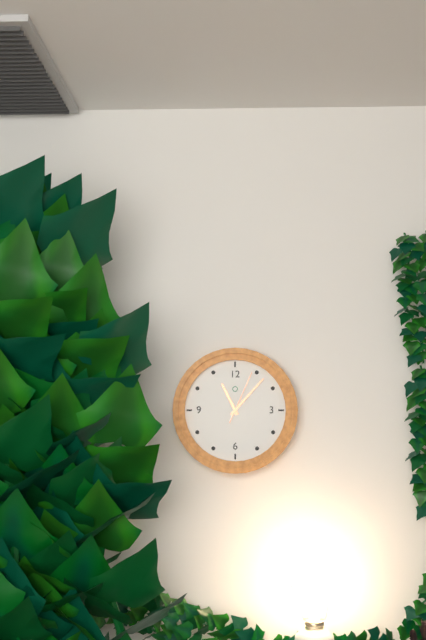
{"hour": 11, "minute": 7, "second": 4}
